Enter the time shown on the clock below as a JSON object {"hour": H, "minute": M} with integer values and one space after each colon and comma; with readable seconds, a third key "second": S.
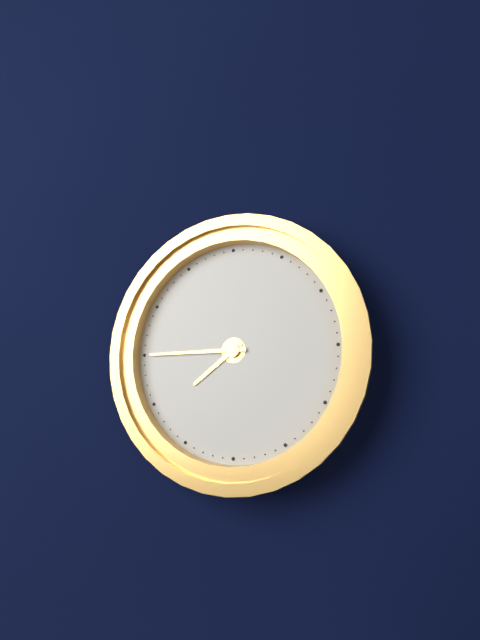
{"hour": 7, "minute": 45}
